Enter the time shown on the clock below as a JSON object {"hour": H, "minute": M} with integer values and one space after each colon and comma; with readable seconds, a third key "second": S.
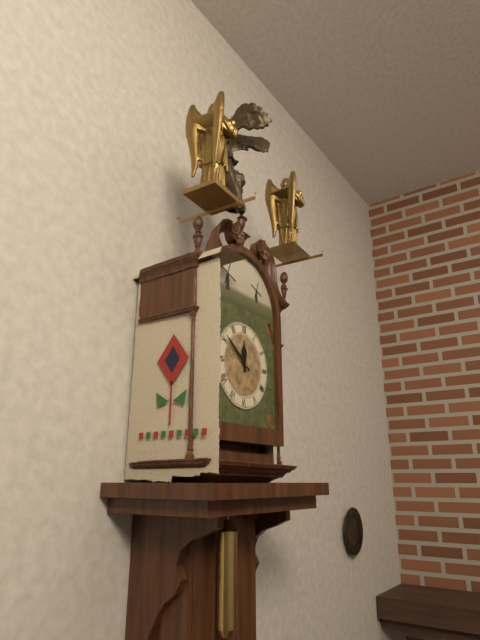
{"hour": 11, "minute": 51}
